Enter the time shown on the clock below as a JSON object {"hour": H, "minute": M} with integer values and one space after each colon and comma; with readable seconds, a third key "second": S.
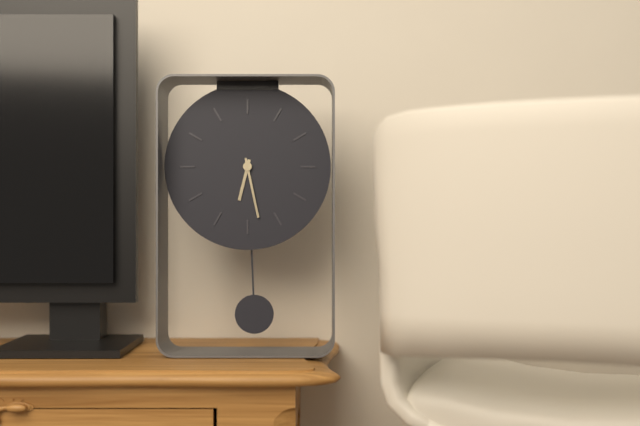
{"hour": 6, "minute": 28}
